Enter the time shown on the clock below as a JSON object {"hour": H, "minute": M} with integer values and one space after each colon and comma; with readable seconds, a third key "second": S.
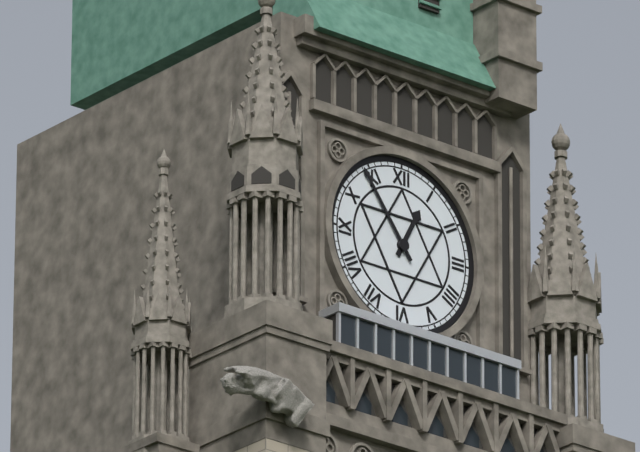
{"hour": 12, "minute": 54}
